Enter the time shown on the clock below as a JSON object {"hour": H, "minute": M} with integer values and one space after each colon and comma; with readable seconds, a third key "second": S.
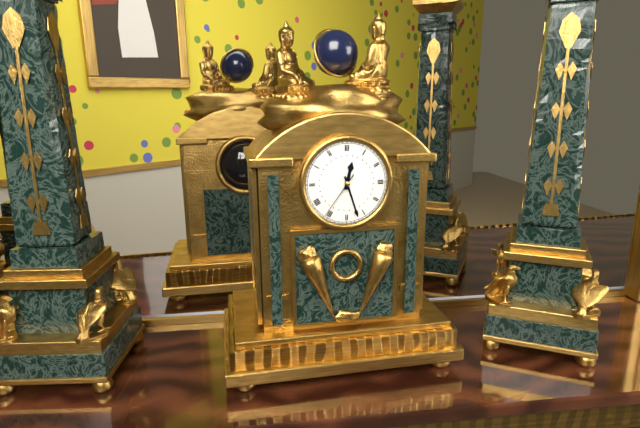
{"hour": 12, "minute": 27}
